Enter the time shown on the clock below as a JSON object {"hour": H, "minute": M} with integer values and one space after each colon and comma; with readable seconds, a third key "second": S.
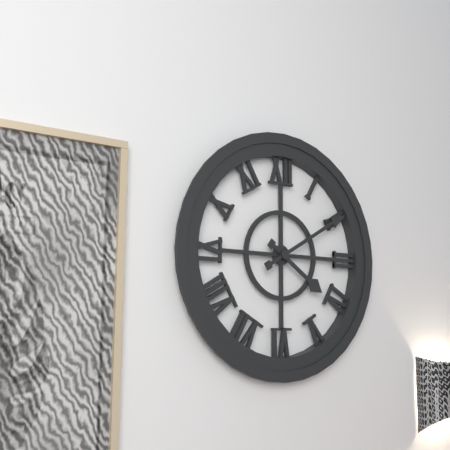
{"hour": 4, "minute": 10}
